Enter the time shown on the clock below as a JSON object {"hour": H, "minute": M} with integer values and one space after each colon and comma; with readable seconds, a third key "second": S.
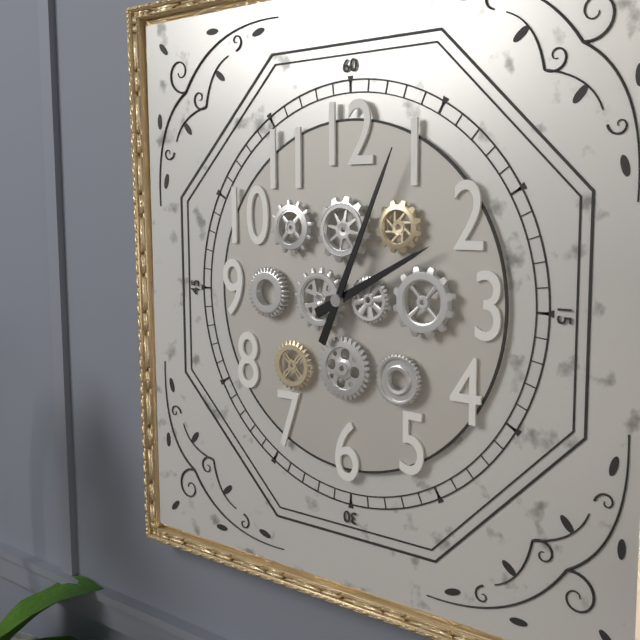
{"hour": 2, "minute": 4}
